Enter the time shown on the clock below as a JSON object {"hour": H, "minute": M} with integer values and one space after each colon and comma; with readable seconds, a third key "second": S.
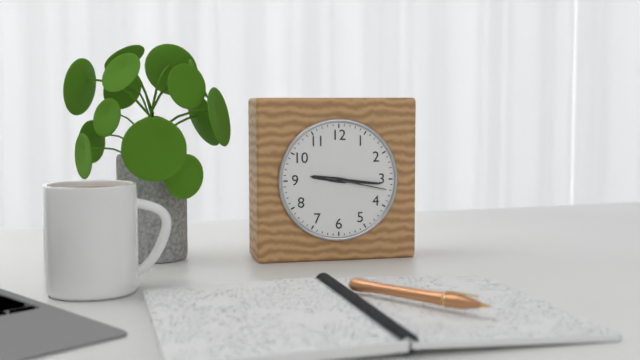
{"hour": 9, "minute": 16, "second": 17}
